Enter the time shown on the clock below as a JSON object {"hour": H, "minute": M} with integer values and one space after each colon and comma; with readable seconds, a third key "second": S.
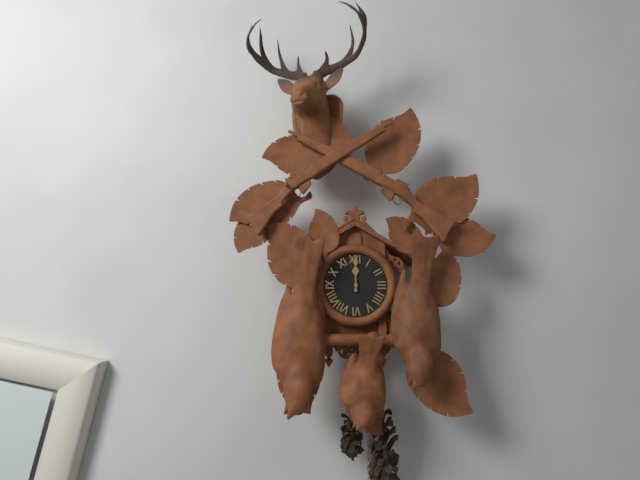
{"hour": 12, "minute": 0}
